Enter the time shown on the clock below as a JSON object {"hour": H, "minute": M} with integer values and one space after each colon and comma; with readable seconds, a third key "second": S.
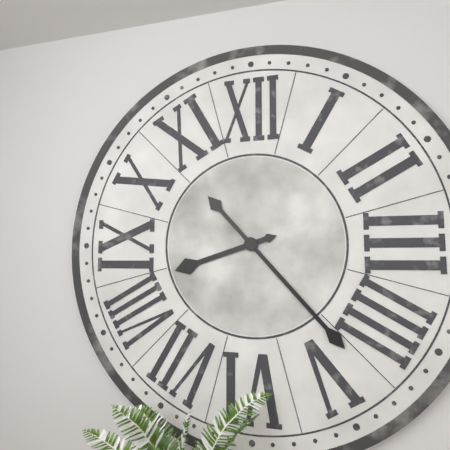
{"hour": 8, "minute": 23}
